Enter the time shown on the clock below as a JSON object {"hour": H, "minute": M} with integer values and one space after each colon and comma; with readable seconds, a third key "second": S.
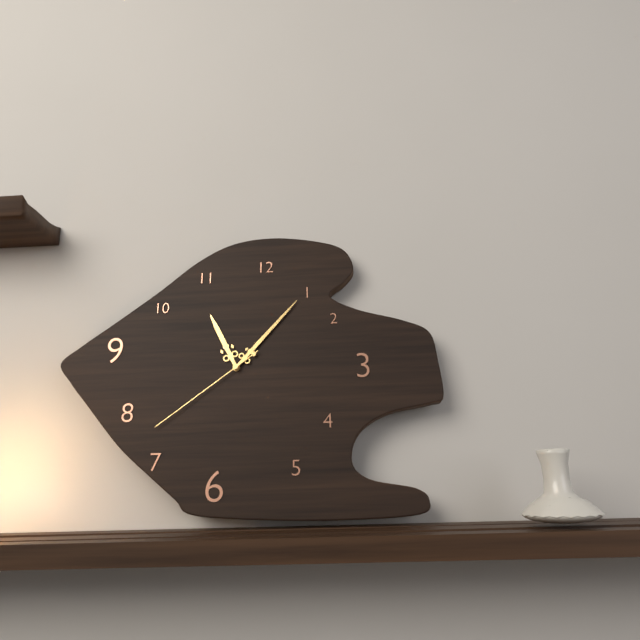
{"hour": 11, "minute": 7, "second": 39}
